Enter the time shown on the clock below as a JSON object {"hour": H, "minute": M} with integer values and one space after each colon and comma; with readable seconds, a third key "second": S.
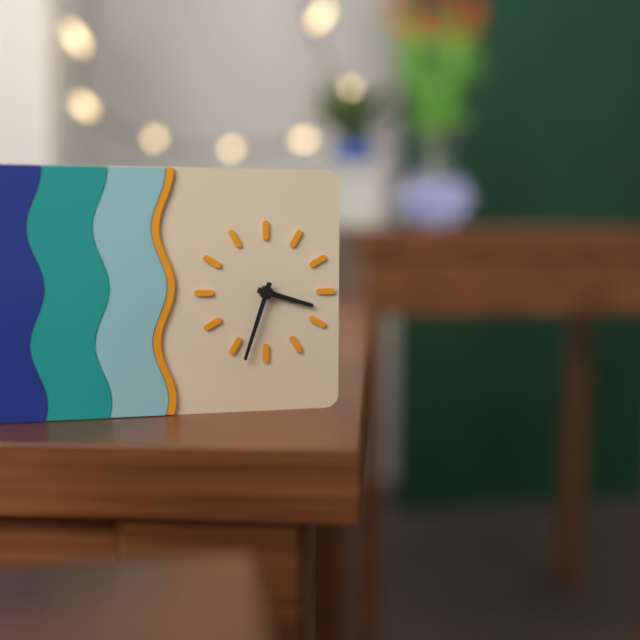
{"hour": 3, "minute": 33}
